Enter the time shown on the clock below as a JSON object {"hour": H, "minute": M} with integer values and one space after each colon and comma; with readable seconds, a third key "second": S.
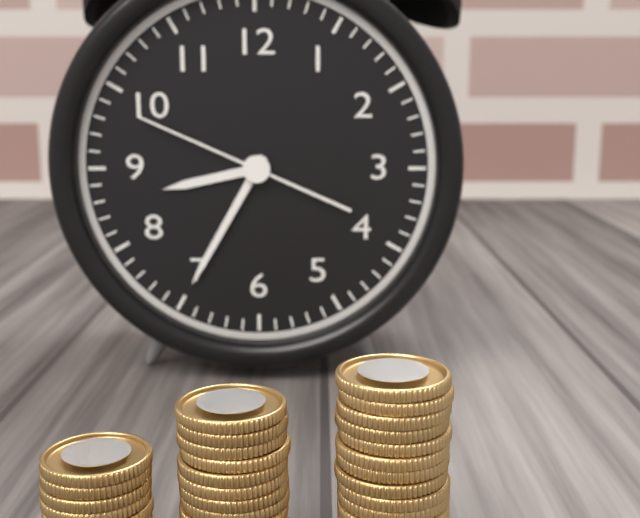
{"hour": 8, "minute": 35, "second": 49}
